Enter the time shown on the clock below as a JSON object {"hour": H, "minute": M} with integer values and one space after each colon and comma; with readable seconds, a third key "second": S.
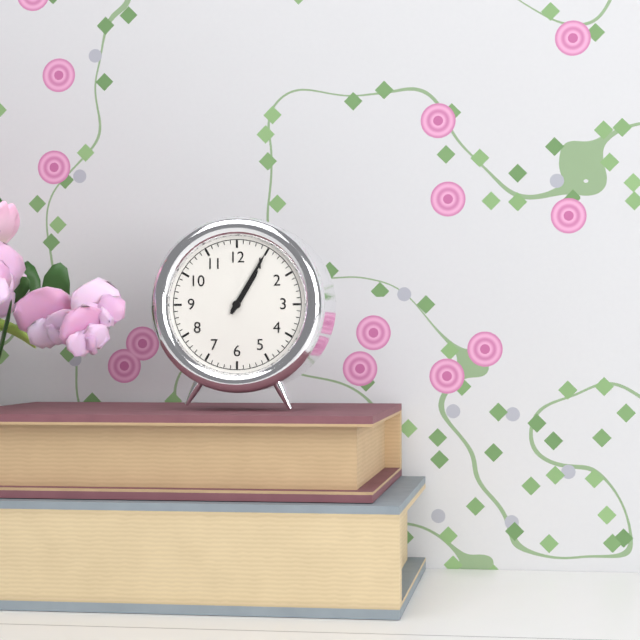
{"hour": 1, "minute": 5}
